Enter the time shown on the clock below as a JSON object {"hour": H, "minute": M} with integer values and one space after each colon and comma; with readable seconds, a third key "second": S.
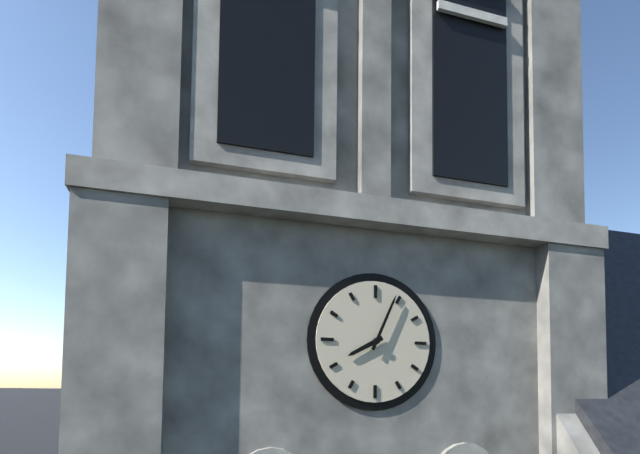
{"hour": 8, "minute": 4}
